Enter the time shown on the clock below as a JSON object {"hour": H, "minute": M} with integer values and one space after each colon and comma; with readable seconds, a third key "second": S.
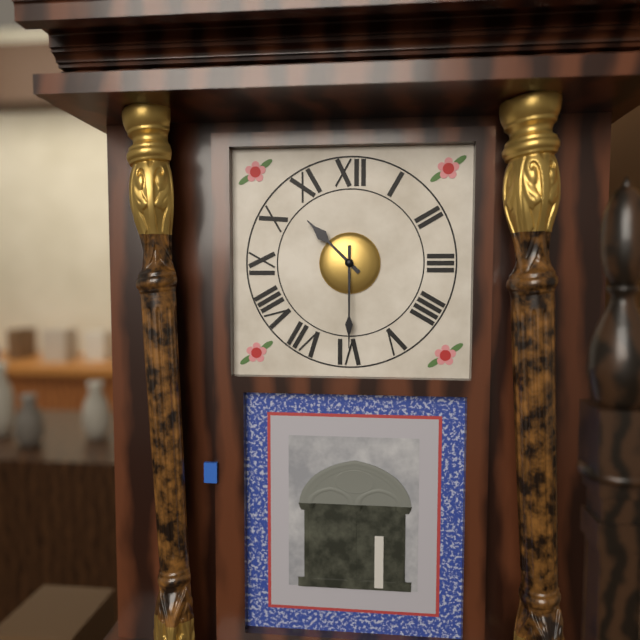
{"hour": 10, "minute": 30}
